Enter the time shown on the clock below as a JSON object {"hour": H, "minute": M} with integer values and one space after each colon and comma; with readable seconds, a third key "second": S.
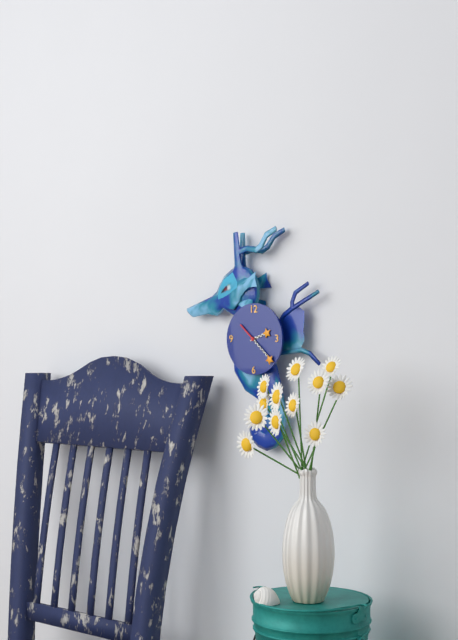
{"hour": 2, "minute": 22}
